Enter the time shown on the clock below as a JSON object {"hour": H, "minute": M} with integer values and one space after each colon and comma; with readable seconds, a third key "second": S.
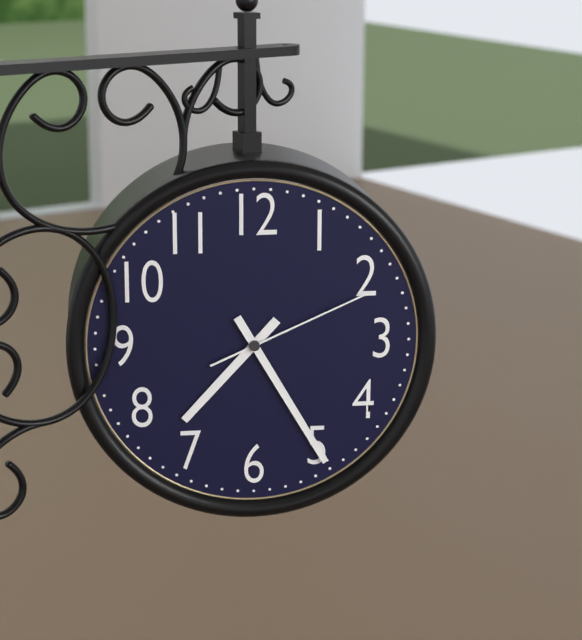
{"hour": 7, "minute": 25, "second": 11}
